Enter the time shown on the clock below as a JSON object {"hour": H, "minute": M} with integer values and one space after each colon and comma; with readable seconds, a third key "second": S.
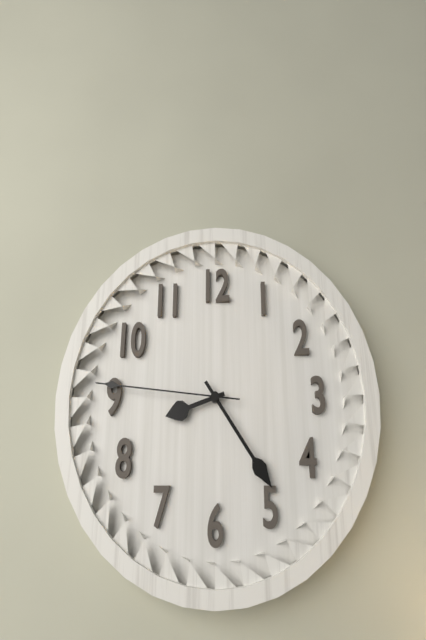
{"hour": 8, "minute": 24, "second": 46}
